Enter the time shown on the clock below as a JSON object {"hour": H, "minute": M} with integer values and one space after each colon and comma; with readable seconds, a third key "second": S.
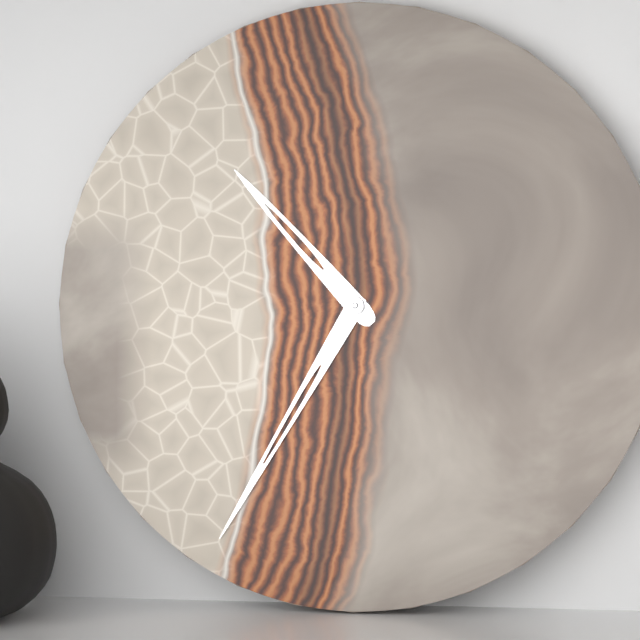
{"hour": 10, "minute": 35}
